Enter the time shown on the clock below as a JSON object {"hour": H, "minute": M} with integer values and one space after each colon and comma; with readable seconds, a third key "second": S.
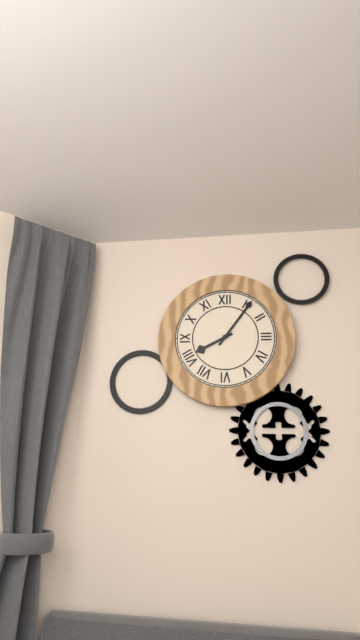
{"hour": 8, "minute": 6}
